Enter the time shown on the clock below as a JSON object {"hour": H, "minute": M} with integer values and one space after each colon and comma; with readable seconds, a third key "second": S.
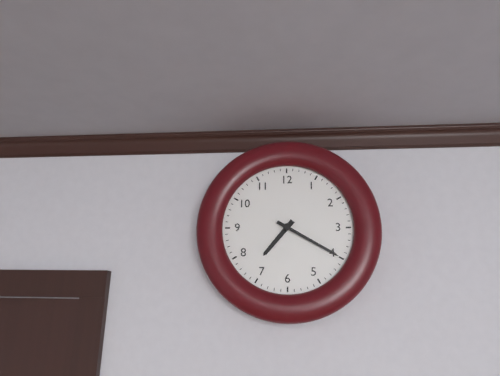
{"hour": 7, "minute": 20}
